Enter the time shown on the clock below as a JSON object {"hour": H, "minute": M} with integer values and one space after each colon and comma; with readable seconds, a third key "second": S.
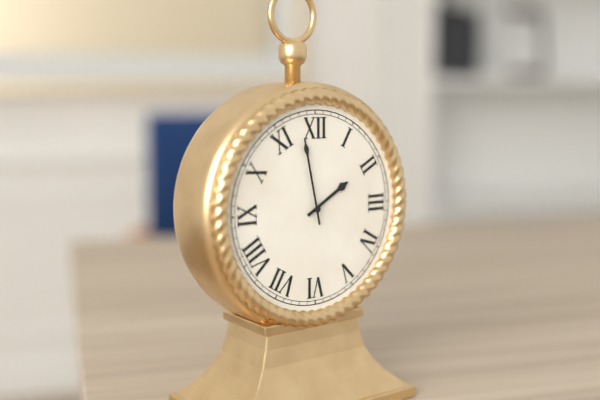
{"hour": 1, "minute": 58}
